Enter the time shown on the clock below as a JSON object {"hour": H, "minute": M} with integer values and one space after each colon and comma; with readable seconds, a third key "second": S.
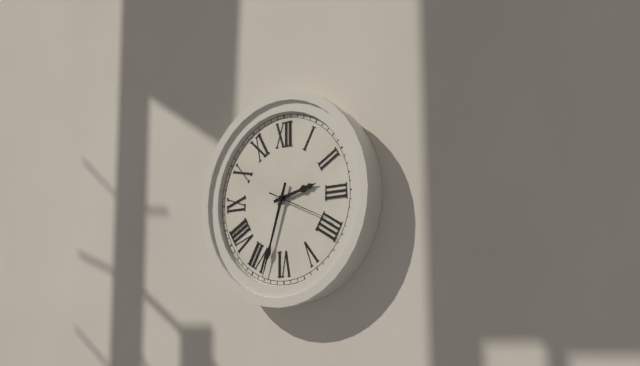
{"hour": 2, "minute": 33, "second": 19}
